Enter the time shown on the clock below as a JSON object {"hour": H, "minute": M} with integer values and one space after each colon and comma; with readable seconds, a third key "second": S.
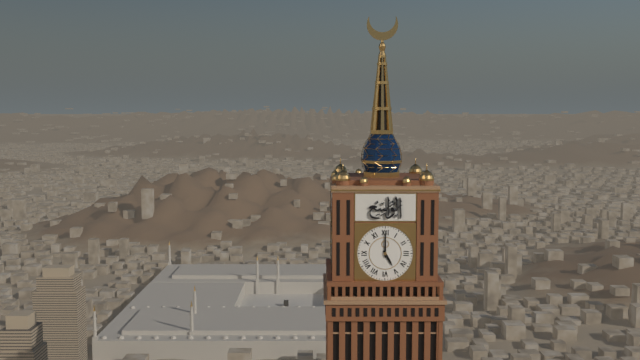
{"hour": 5, "minute": 0}
